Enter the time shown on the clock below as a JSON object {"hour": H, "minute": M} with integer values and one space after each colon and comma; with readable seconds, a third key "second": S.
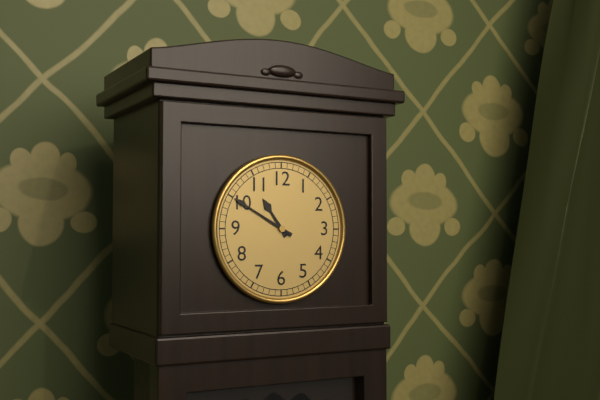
{"hour": 10, "minute": 50}
